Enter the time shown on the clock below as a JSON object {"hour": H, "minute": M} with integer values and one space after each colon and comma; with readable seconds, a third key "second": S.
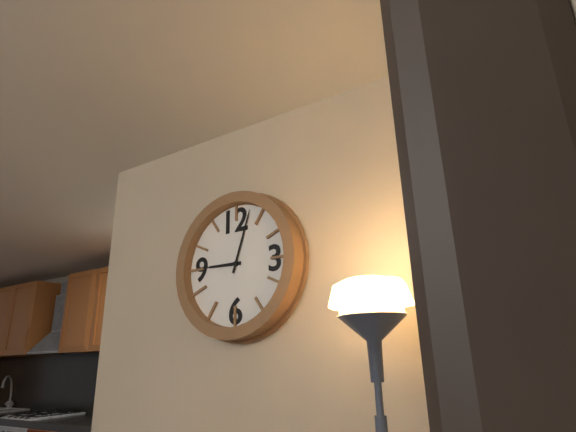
{"hour": 9, "minute": 3}
